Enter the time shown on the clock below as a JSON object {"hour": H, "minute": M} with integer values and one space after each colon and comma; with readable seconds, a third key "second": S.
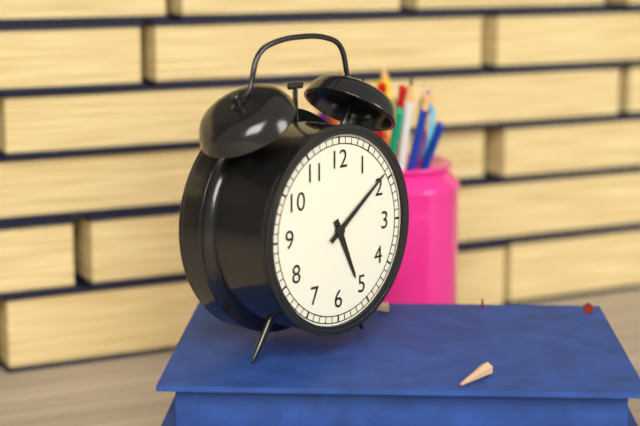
{"hour": 5, "minute": 9}
